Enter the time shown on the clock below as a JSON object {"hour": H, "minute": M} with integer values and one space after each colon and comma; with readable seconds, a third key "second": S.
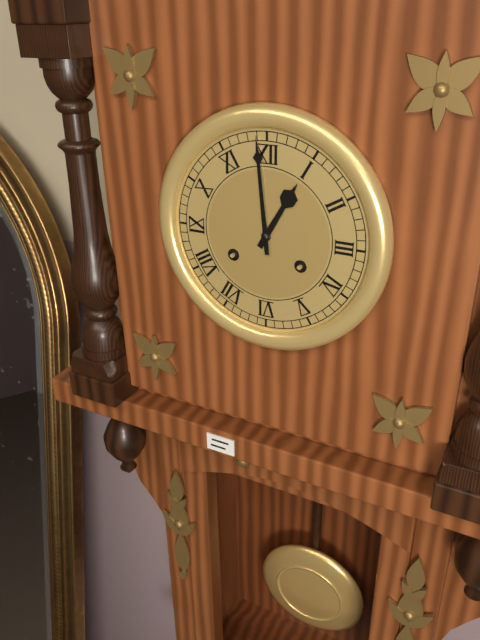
{"hour": 12, "minute": 59}
